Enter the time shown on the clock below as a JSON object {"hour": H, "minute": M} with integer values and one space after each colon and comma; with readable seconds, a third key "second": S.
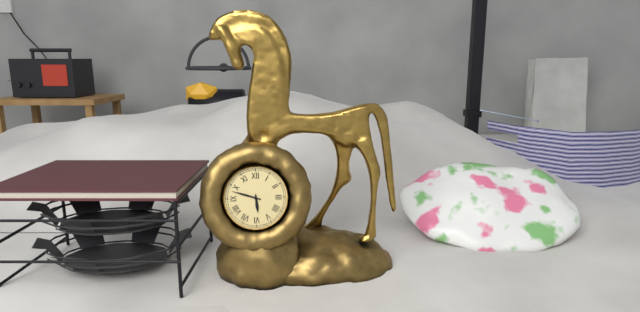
{"hour": 5, "minute": 48}
